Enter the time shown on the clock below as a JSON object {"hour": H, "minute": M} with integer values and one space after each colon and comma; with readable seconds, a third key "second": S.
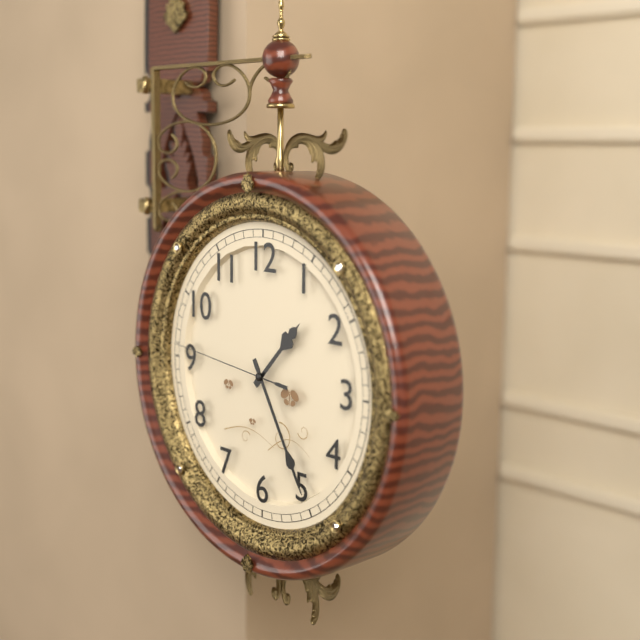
{"hour": 1, "minute": 25, "second": 46}
